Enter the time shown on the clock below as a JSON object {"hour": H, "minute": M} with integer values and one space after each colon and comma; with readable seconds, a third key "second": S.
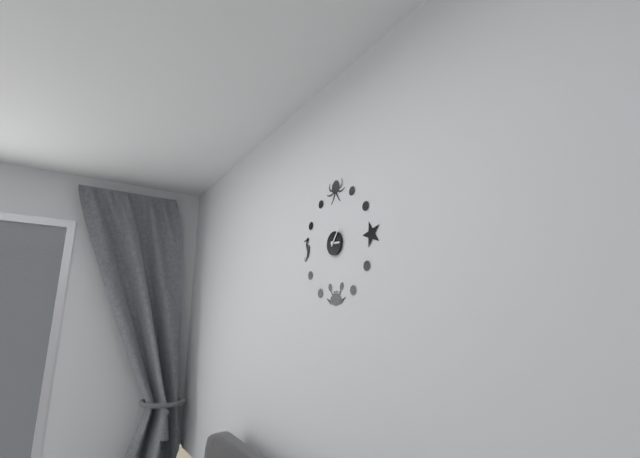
{"hour": 3, "minute": 6}
